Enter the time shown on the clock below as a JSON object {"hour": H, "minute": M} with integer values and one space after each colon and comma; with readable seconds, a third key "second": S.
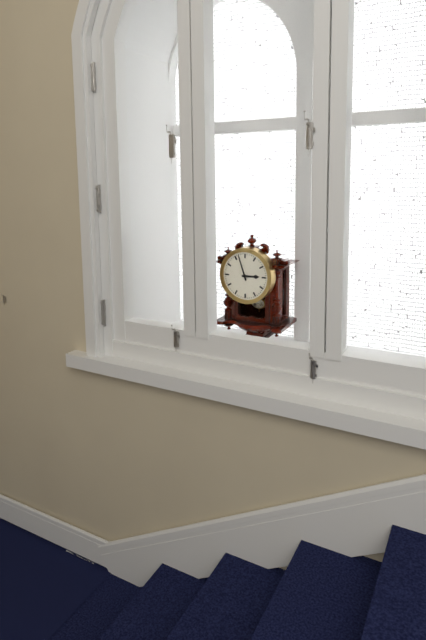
{"hour": 2, "minute": 57}
